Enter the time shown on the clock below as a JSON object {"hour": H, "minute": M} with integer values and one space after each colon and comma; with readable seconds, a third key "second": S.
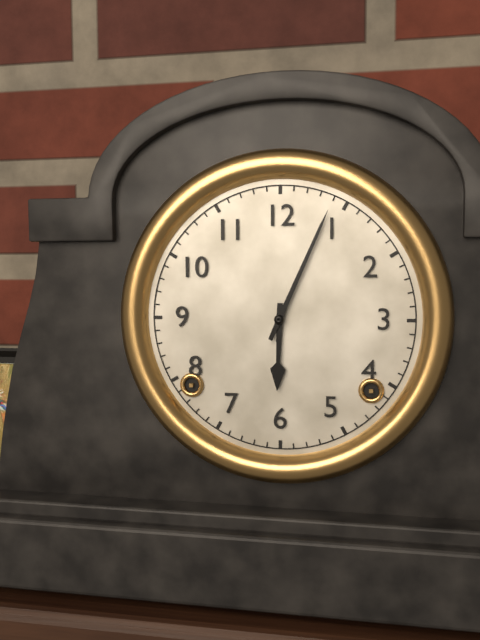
{"hour": 6, "minute": 4}
